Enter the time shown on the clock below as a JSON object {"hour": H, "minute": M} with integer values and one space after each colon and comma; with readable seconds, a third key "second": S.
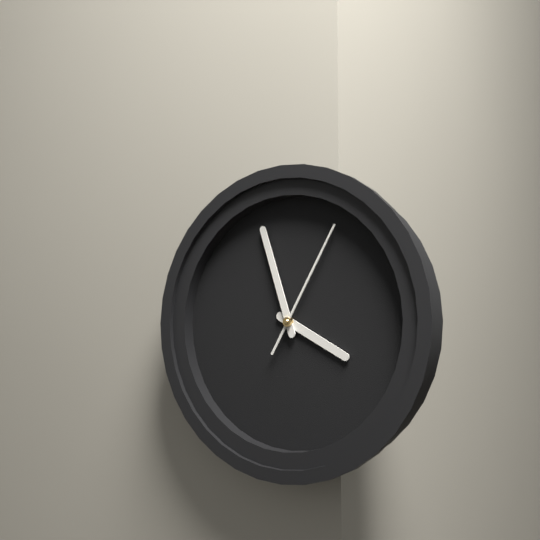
{"hour": 3, "minute": 57, "second": 5}
